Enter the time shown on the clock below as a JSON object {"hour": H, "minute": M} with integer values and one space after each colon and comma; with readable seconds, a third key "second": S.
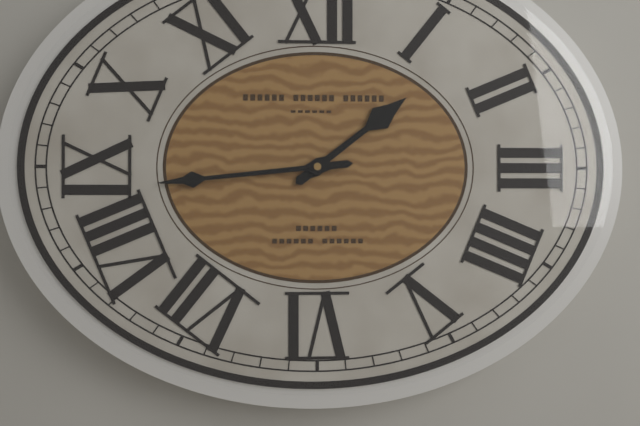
{"hour": 1, "minute": 44}
